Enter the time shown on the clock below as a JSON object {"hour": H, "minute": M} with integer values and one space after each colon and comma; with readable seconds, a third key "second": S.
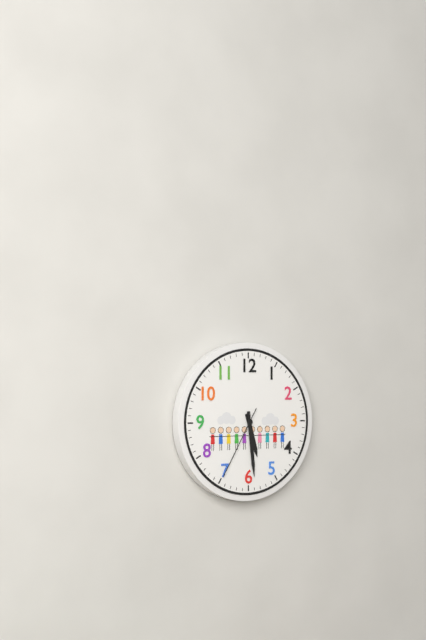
{"hour": 5, "minute": 29, "second": 35}
